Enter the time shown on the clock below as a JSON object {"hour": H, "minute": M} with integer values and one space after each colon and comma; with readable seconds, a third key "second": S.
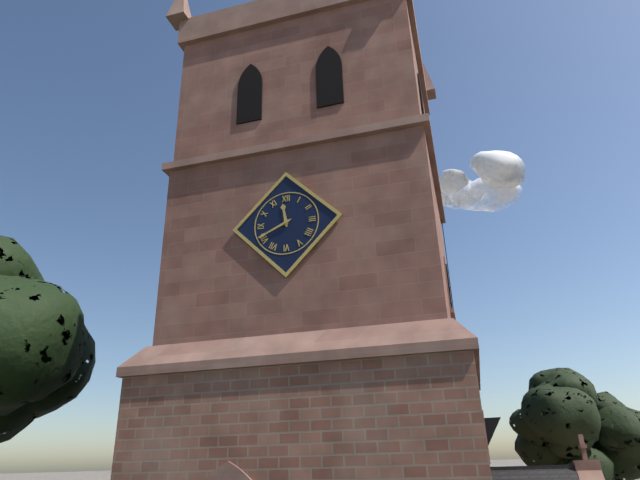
{"hour": 11, "minute": 41}
